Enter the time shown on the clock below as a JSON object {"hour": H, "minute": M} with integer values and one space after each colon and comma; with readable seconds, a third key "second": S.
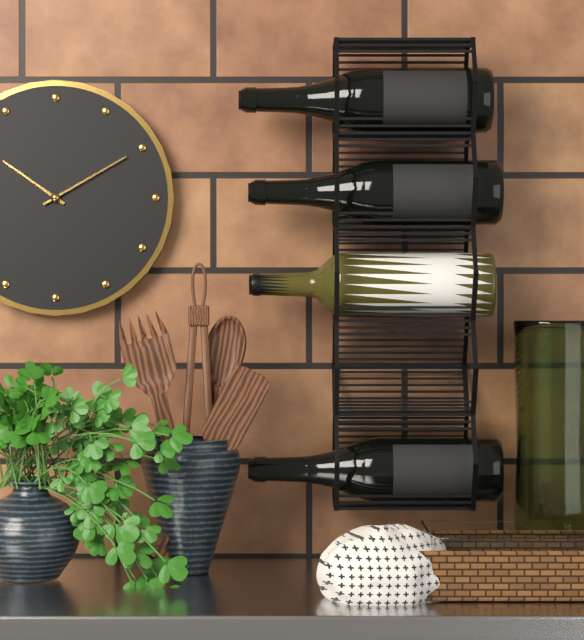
{"hour": 10, "minute": 10}
